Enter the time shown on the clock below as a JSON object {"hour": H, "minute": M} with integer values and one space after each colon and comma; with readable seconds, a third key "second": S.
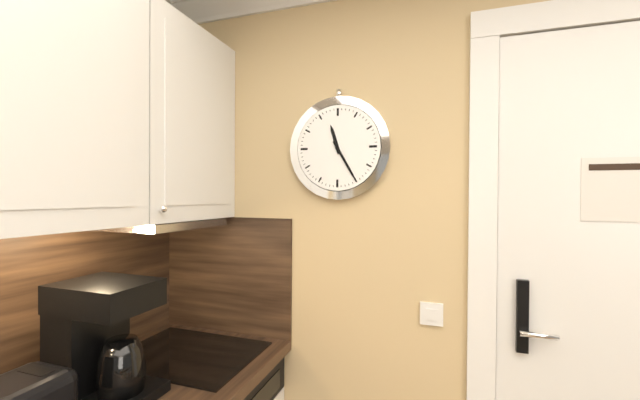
{"hour": 11, "minute": 25}
